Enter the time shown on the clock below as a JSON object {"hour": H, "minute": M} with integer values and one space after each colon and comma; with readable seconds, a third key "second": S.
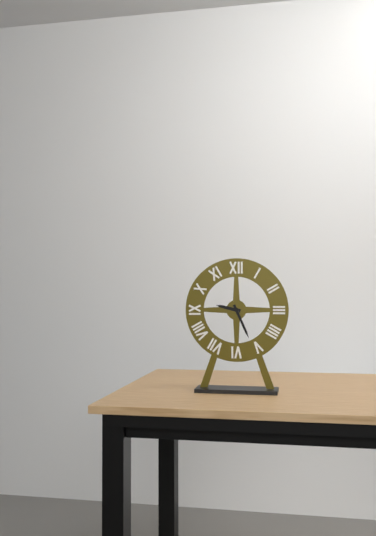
{"hour": 9, "minute": 26}
